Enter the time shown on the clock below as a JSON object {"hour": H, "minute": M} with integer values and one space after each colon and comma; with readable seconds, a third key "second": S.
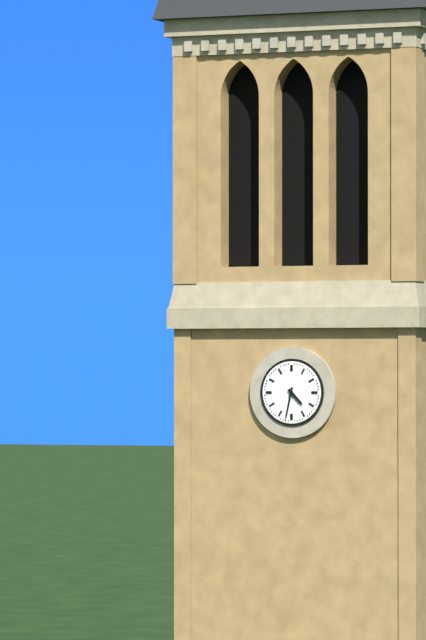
{"hour": 4, "minute": 32}
